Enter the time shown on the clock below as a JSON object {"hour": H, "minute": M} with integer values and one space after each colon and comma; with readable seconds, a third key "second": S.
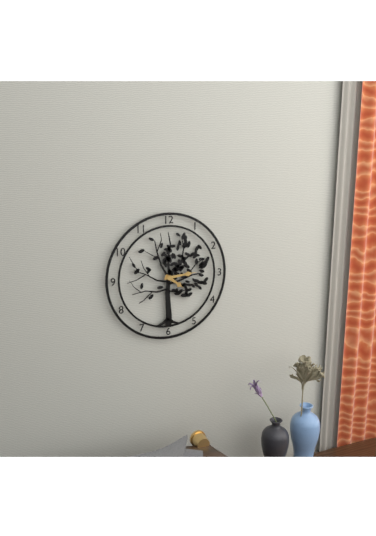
{"hour": 4, "minute": 14}
